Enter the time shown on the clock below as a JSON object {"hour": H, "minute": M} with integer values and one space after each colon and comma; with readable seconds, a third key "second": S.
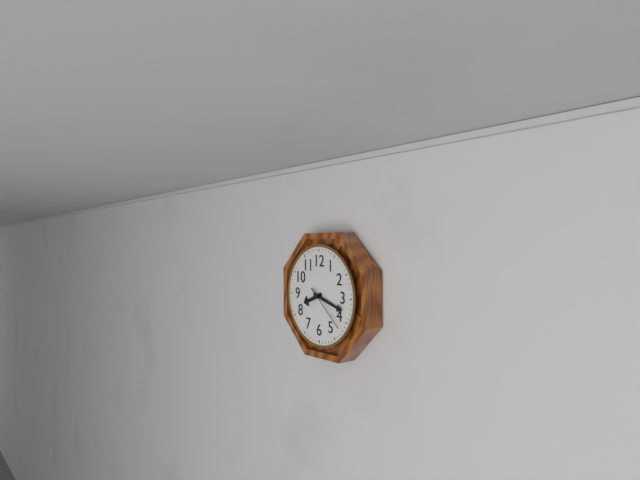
{"hour": 8, "minute": 18}
